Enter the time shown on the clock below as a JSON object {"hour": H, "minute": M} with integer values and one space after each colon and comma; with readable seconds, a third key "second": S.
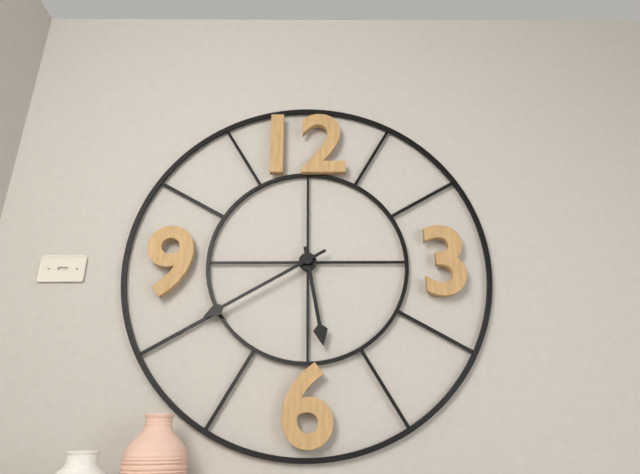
{"hour": 5, "minute": 40}
